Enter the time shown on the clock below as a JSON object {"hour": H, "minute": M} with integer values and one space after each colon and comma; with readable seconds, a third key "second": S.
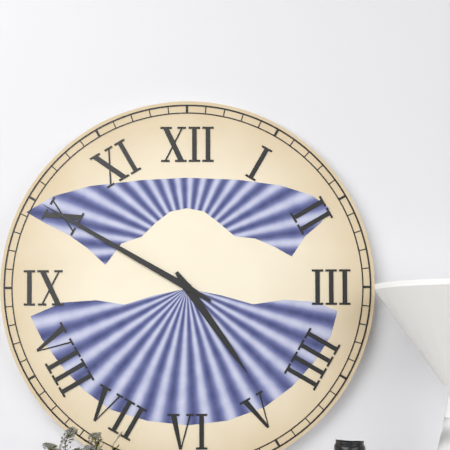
{"hour": 4, "minute": 50}
